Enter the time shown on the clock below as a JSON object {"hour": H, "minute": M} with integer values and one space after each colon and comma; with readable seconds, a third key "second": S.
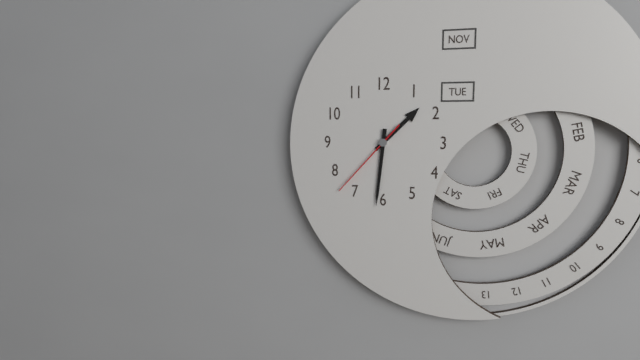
{"hour": 1, "minute": 31, "second": 37}
